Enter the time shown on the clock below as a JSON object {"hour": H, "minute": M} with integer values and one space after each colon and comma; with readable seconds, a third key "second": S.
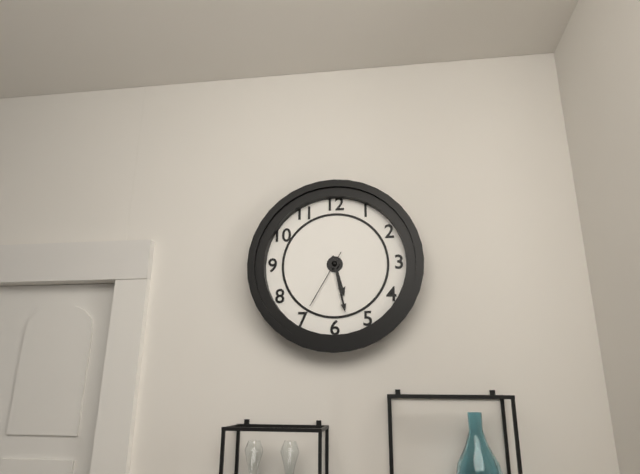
{"hour": 5, "minute": 28, "second": 35}
